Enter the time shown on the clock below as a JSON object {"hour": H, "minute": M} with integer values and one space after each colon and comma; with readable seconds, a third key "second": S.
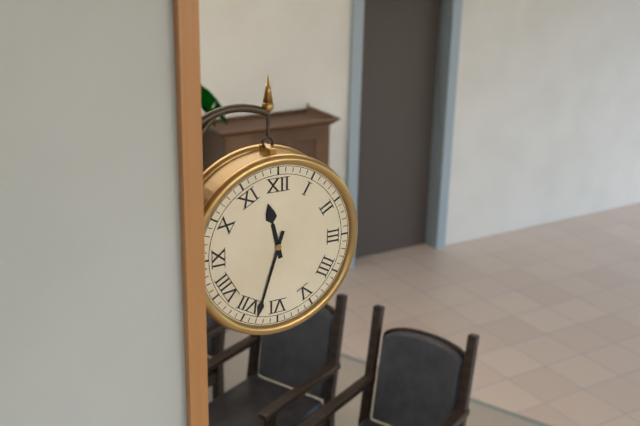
{"hour": 11, "minute": 33}
